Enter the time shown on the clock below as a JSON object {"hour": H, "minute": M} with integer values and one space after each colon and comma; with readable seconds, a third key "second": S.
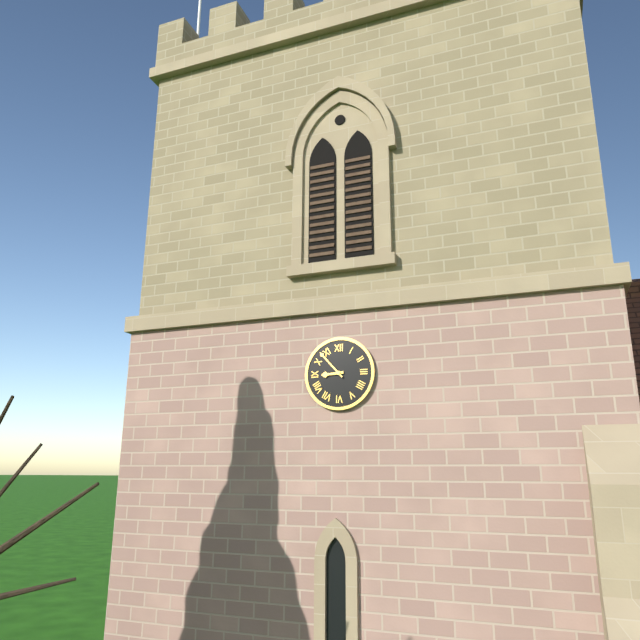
{"hour": 8, "minute": 53}
